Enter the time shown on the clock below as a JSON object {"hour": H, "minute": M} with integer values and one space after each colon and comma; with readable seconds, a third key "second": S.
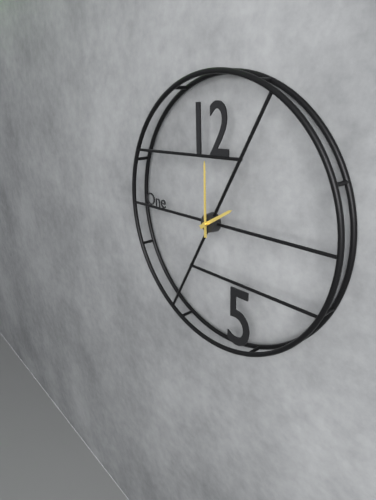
{"hour": 2, "minute": 0}
